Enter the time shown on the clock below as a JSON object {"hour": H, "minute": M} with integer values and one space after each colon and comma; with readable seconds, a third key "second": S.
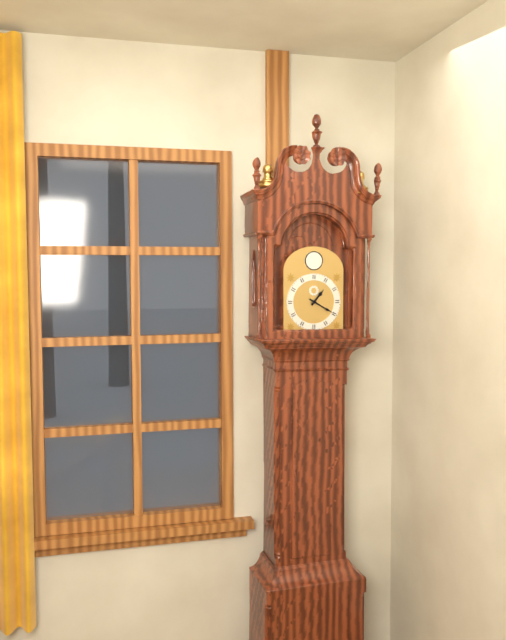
{"hour": 1, "minute": 20}
